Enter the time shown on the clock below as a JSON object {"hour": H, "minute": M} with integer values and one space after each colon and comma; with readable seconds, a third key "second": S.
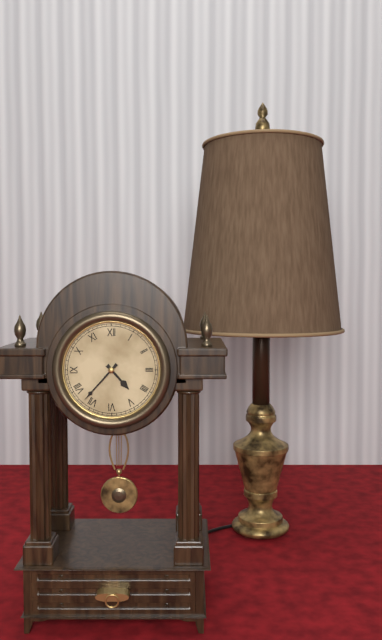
{"hour": 4, "minute": 37}
